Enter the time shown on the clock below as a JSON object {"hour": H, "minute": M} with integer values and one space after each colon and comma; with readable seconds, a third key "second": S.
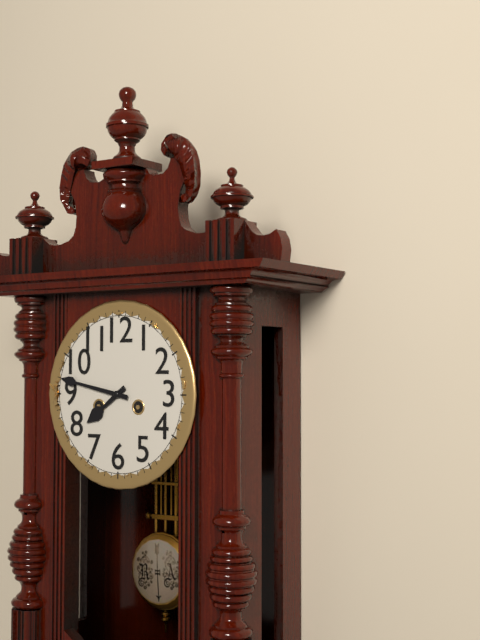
{"hour": 7, "minute": 47}
